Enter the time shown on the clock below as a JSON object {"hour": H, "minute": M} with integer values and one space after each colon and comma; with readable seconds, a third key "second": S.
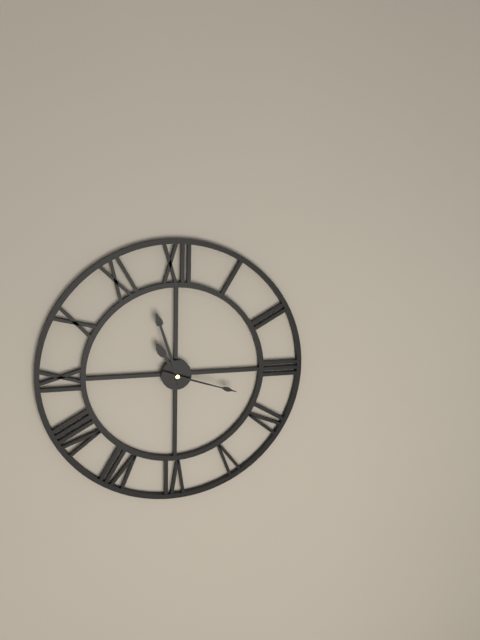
{"hour": 10, "minute": 57, "second": 18}
